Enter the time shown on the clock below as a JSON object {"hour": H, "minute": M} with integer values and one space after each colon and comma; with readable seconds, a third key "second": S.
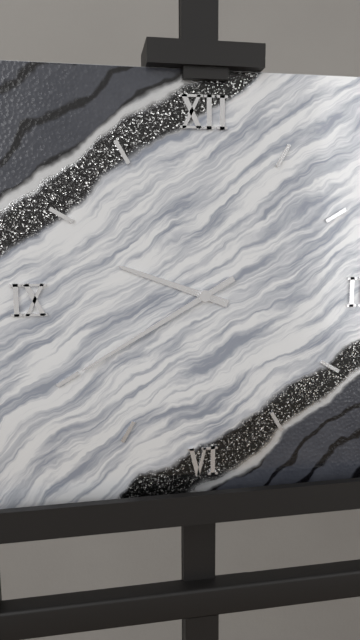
{"hour": 9, "minute": 40}
